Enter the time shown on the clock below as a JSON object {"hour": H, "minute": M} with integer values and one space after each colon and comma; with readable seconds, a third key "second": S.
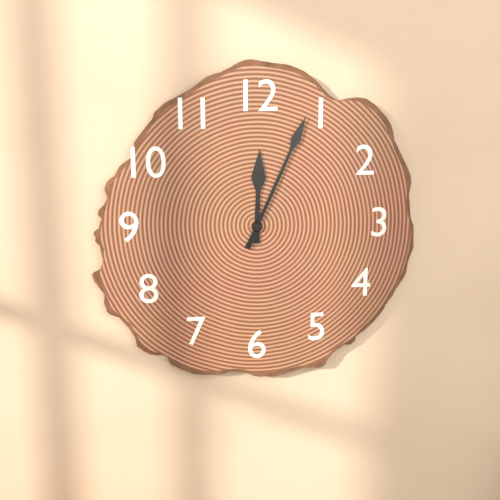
{"hour": 12, "minute": 4}
